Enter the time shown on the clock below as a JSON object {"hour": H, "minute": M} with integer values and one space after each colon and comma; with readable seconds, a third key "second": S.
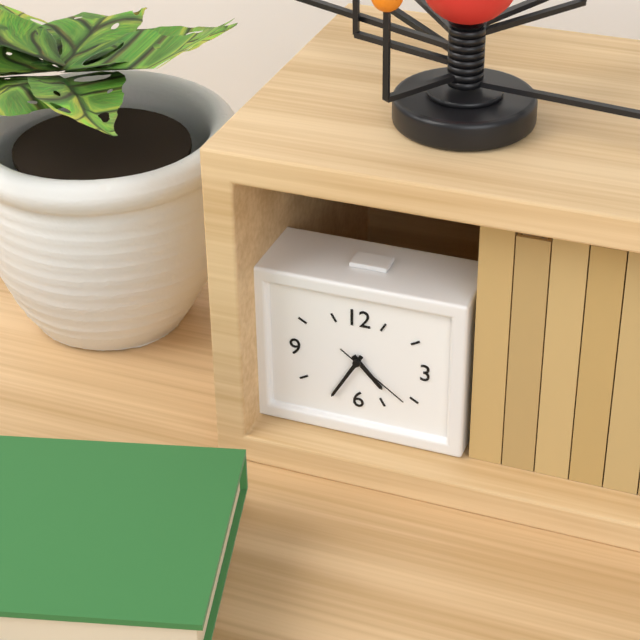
{"hour": 4, "minute": 35, "second": 21}
